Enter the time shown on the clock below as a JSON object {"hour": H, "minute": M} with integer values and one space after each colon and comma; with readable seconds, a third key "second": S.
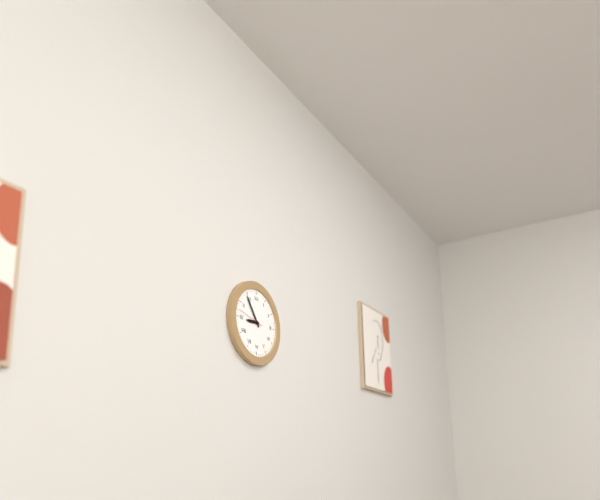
{"hour": 8, "minute": 54}
